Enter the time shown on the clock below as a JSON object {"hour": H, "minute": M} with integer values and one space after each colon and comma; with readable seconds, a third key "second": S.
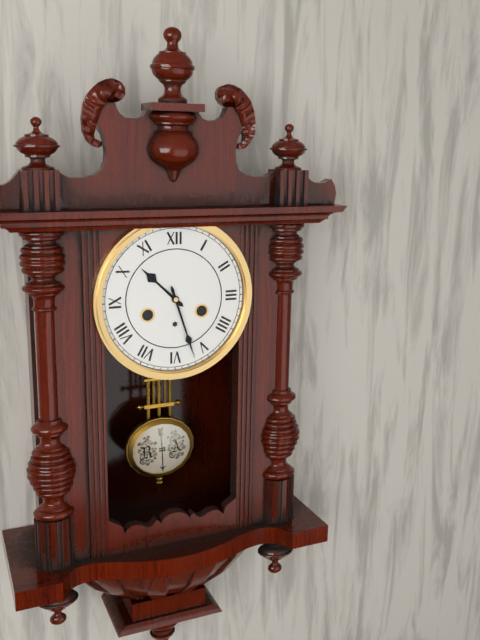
{"hour": 10, "minute": 27}
